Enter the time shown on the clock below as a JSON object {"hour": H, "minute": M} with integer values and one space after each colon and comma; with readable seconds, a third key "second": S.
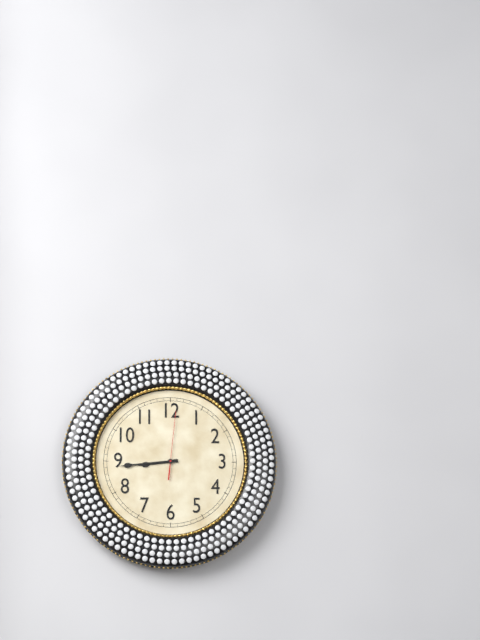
{"hour": 8, "minute": 44, "second": 1}
